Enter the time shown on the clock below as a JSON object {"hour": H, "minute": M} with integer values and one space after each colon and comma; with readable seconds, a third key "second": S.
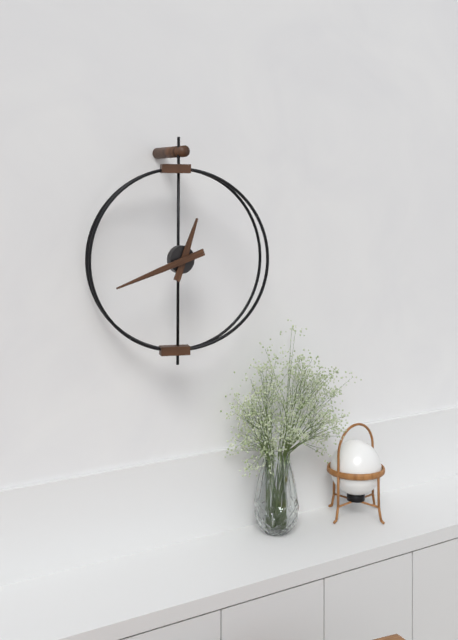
{"hour": 12, "minute": 42}
